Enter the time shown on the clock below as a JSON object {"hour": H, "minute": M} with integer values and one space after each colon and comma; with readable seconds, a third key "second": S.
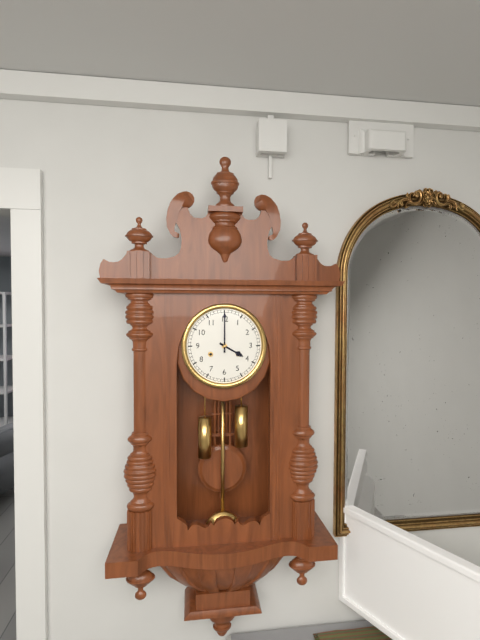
{"hour": 4, "minute": 0}
